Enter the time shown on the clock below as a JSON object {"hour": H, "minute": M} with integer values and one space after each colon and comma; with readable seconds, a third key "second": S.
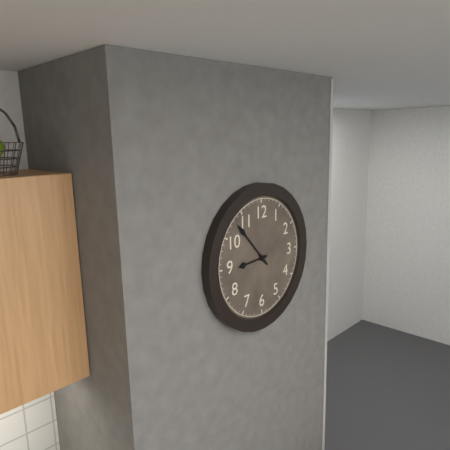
{"hour": 8, "minute": 53}
